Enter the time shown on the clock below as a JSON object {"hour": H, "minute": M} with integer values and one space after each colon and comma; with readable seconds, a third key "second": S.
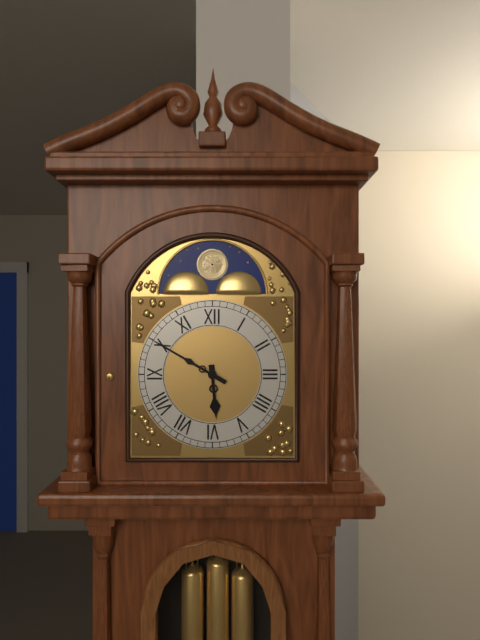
{"hour": 5, "minute": 50}
